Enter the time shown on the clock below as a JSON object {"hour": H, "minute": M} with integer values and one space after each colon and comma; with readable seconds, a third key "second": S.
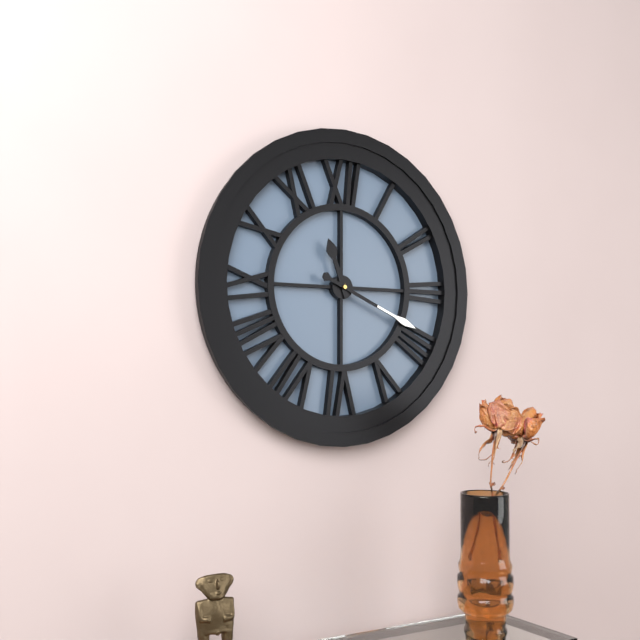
{"hour": 11, "minute": 19}
